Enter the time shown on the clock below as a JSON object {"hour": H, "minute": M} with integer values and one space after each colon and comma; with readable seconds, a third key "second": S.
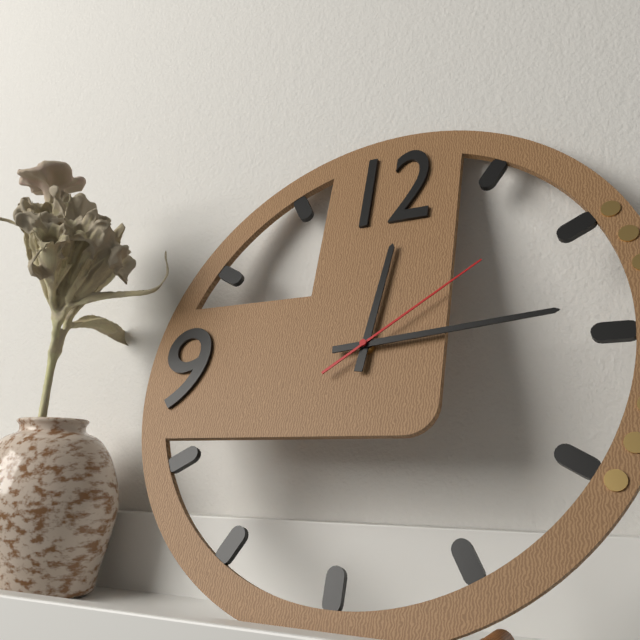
{"hour": 12, "minute": 14, "second": 9}
